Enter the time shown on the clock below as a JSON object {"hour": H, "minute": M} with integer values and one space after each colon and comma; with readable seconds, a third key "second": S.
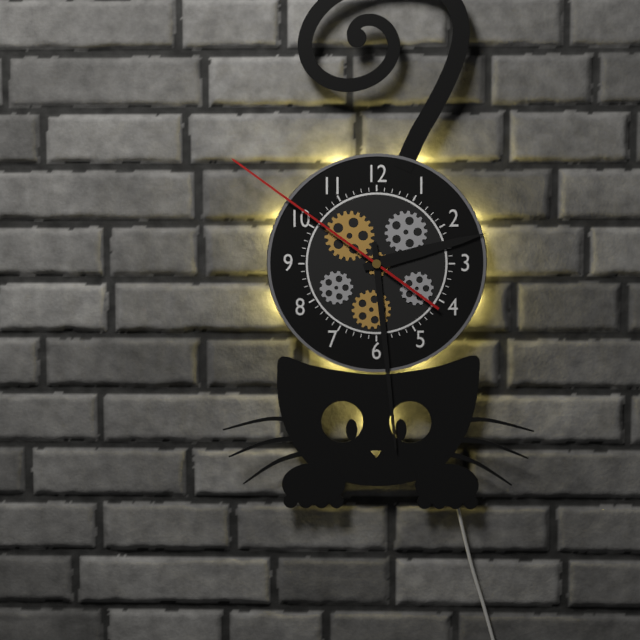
{"hour": 2, "minute": 29, "second": 51}
